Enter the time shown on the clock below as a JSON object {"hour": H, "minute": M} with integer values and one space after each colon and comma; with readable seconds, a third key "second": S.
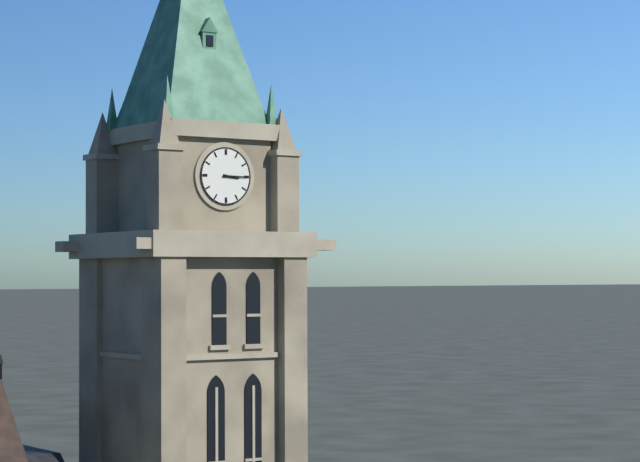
{"hour": 3, "minute": 15}
